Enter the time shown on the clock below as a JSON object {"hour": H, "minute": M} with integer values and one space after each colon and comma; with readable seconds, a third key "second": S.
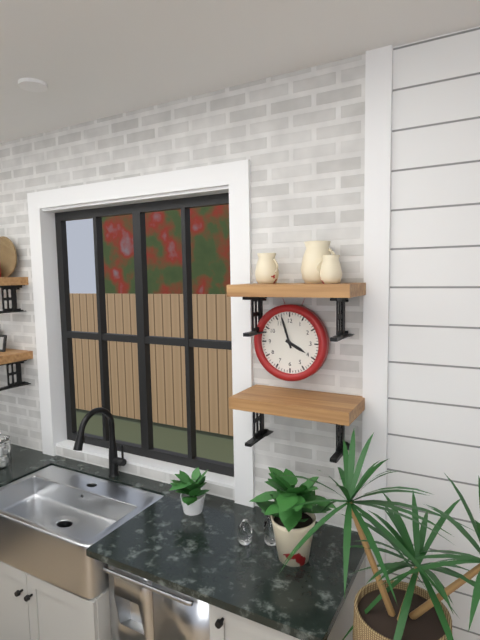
{"hour": 3, "minute": 57}
